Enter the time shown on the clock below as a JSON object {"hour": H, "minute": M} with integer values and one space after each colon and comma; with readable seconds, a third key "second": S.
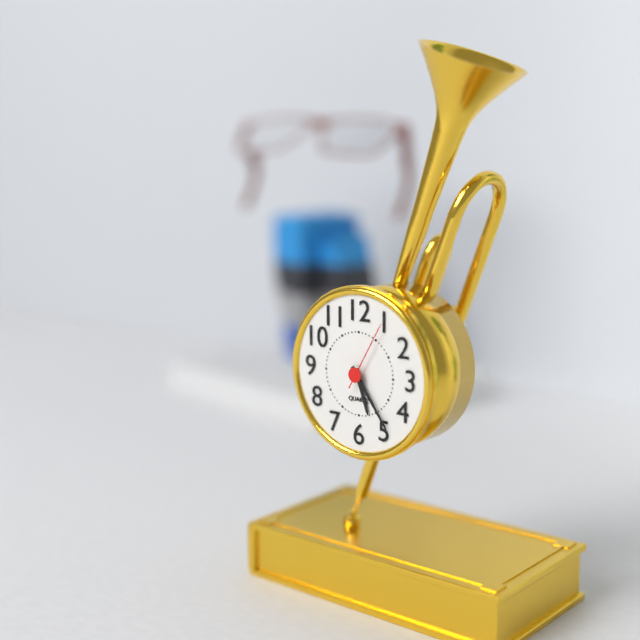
{"hour": 5, "minute": 24, "second": 5}
